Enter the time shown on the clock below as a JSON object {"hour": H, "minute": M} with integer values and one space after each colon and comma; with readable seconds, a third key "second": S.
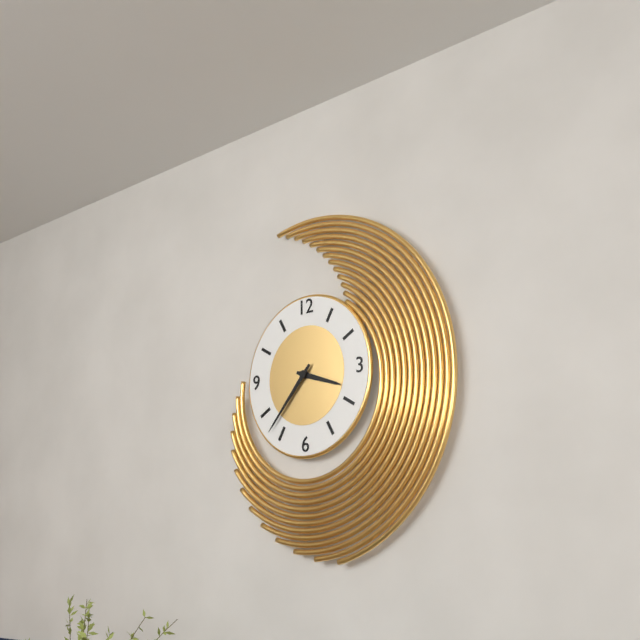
{"hour": 3, "minute": 37}
